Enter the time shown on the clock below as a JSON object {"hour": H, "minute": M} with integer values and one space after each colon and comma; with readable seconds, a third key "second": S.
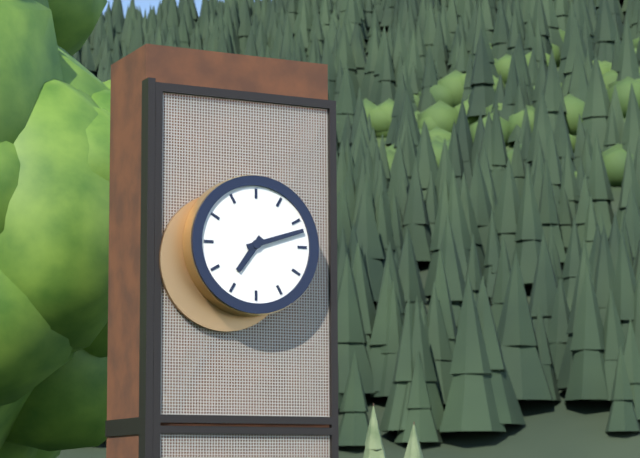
{"hour": 7, "minute": 12}
